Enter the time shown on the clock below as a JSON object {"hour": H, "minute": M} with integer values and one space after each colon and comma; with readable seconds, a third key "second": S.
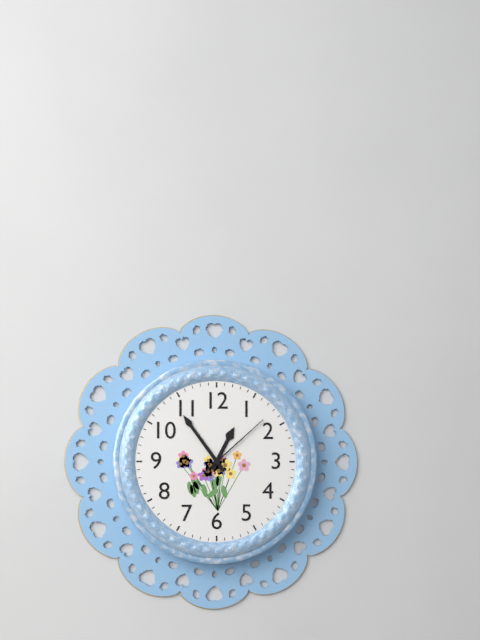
{"hour": 12, "minute": 54, "second": 8}
